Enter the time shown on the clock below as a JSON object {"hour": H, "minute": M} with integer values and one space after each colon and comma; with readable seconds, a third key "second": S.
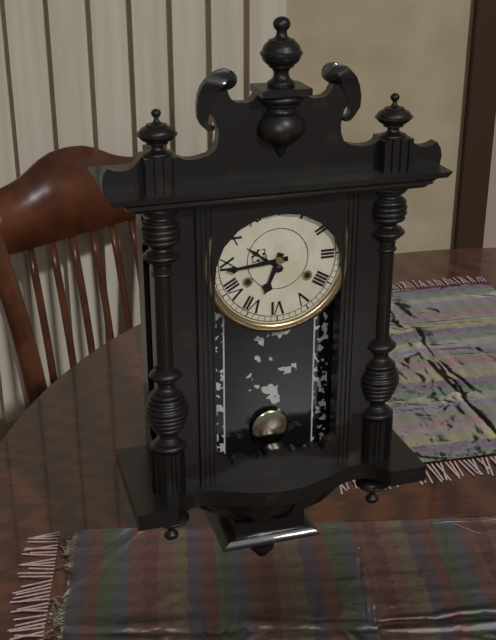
{"hour": 6, "minute": 44}
